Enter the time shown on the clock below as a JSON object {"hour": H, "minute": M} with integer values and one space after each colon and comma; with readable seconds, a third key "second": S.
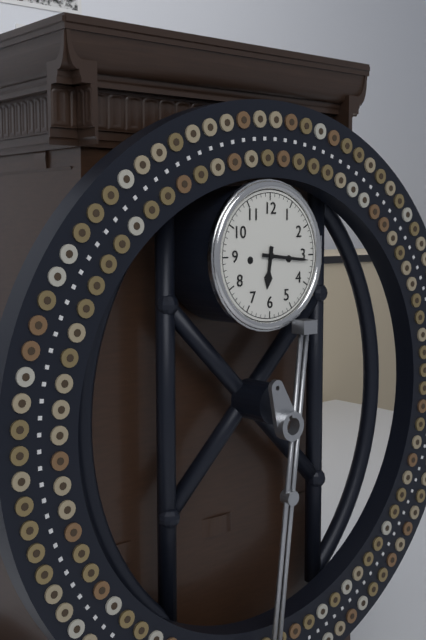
{"hour": 6, "minute": 16}
